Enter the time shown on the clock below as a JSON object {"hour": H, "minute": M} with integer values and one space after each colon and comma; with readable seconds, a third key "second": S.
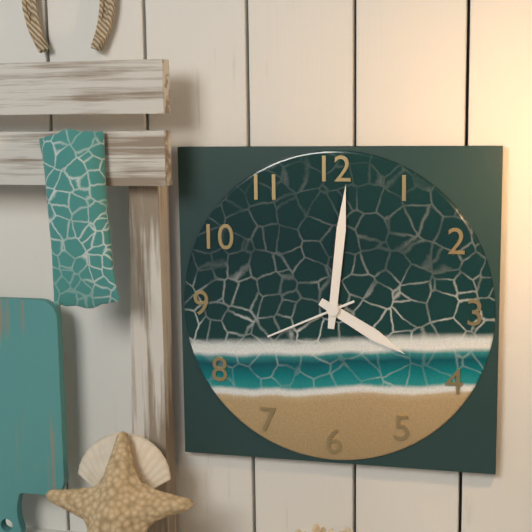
{"hour": 4, "minute": 1, "second": 41}
